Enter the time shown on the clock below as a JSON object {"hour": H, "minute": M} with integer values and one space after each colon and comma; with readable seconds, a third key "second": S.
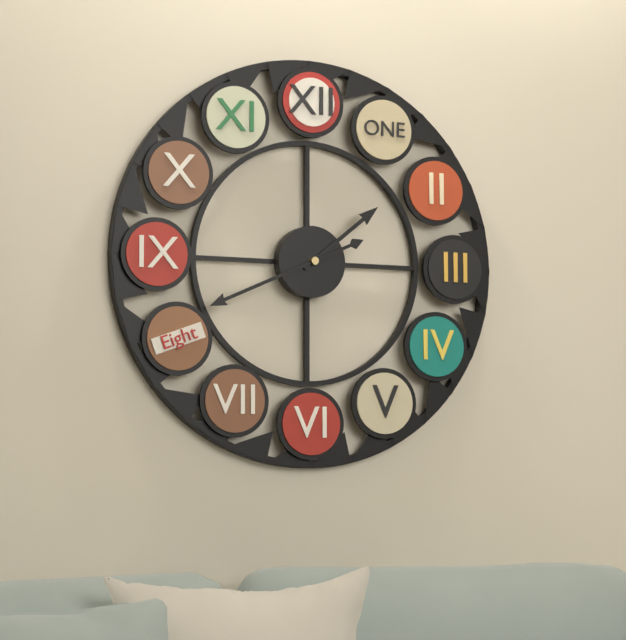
{"hour": 1, "minute": 41}
